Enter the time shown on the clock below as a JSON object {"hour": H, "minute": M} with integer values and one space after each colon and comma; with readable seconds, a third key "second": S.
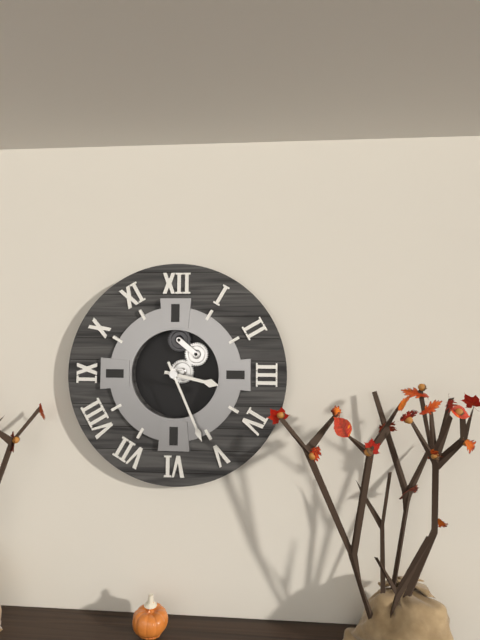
{"hour": 3, "minute": 26}
